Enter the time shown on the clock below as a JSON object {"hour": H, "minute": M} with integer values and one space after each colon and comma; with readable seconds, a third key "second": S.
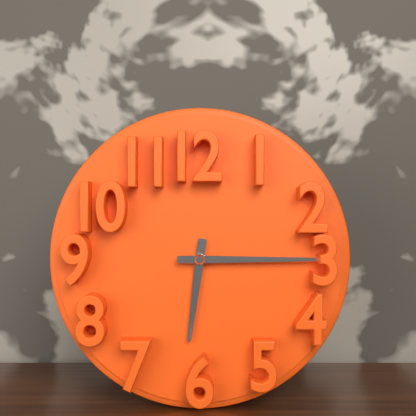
{"hour": 6, "minute": 15}
